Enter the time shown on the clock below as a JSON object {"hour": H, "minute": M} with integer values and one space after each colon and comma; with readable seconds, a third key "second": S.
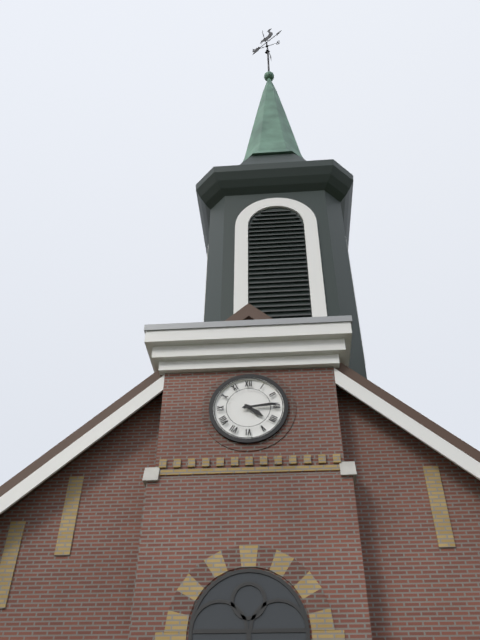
{"hour": 4, "minute": 14}
